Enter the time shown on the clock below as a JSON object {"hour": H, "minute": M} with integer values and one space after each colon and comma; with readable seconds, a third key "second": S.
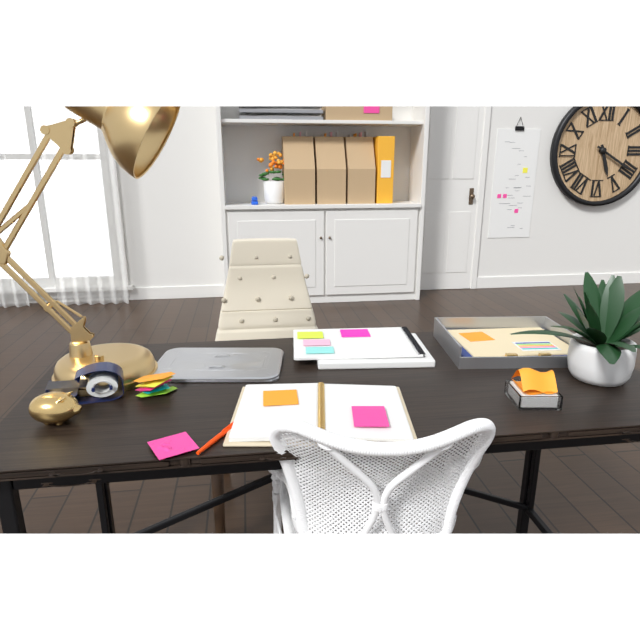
{"hour": 5, "minute": 20}
